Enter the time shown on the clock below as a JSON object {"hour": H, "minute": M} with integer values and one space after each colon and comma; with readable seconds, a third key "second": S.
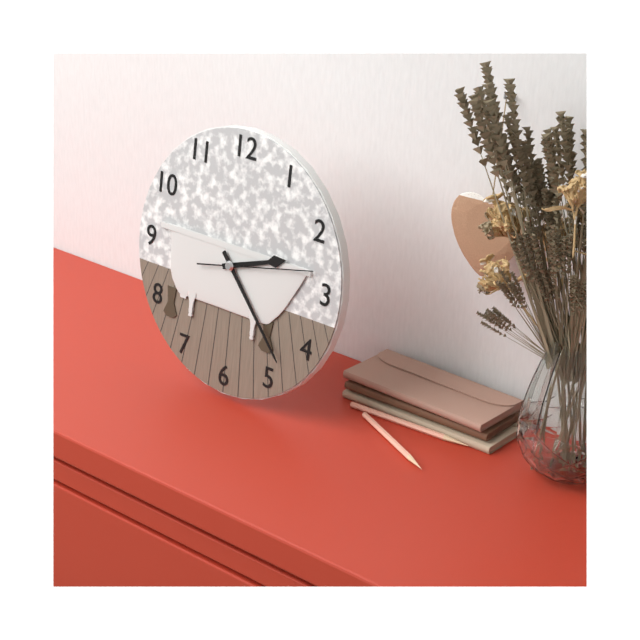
{"hour": 2, "minute": 23, "second": 13}
